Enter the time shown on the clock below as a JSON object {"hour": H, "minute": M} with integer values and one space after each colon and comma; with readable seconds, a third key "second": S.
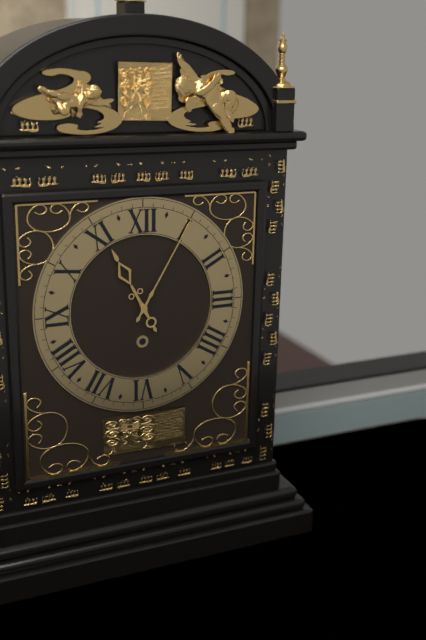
{"hour": 11, "minute": 5}
